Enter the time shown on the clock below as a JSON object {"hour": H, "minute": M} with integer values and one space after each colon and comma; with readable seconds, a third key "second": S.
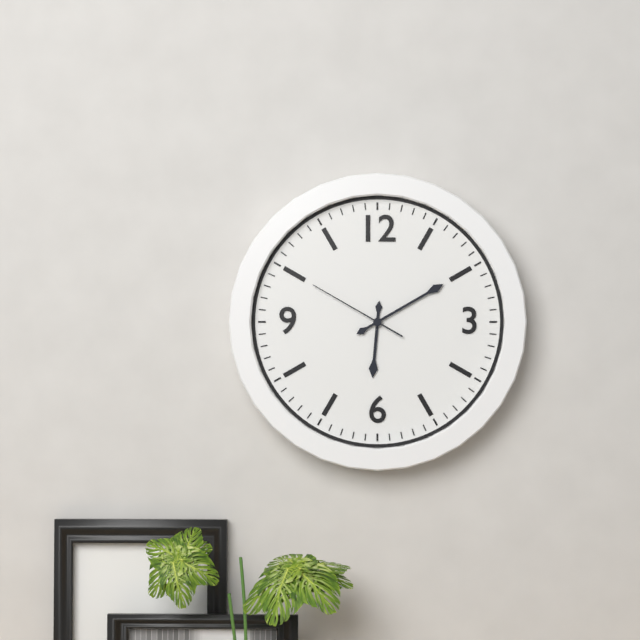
{"hour": 6, "minute": 10, "second": 50}
